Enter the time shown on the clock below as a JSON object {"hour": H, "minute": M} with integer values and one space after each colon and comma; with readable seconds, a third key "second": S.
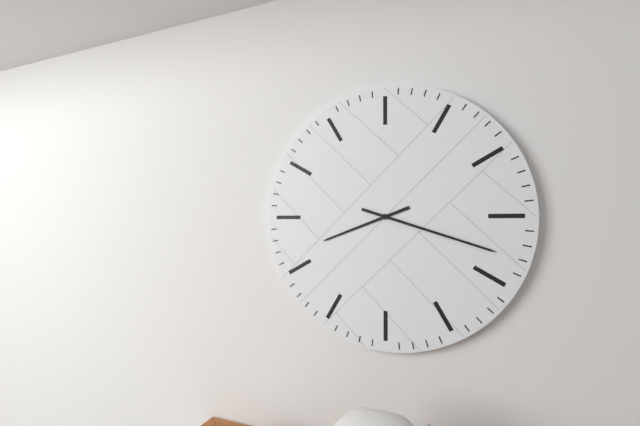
{"hour": 8, "minute": 18}
